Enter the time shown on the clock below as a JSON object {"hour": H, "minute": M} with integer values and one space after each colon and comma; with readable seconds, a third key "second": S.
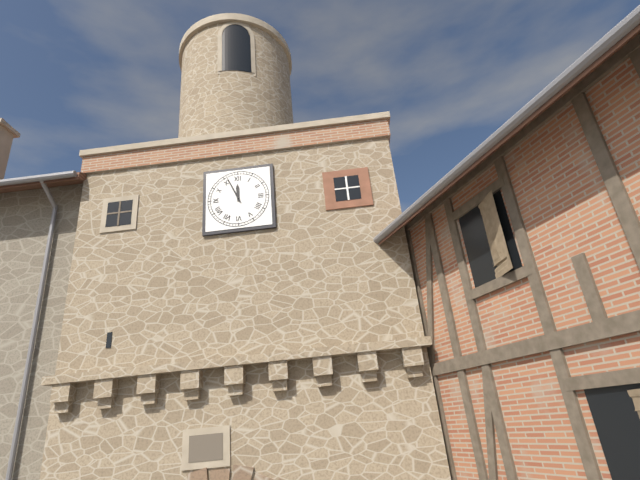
{"hour": 11, "minute": 56}
